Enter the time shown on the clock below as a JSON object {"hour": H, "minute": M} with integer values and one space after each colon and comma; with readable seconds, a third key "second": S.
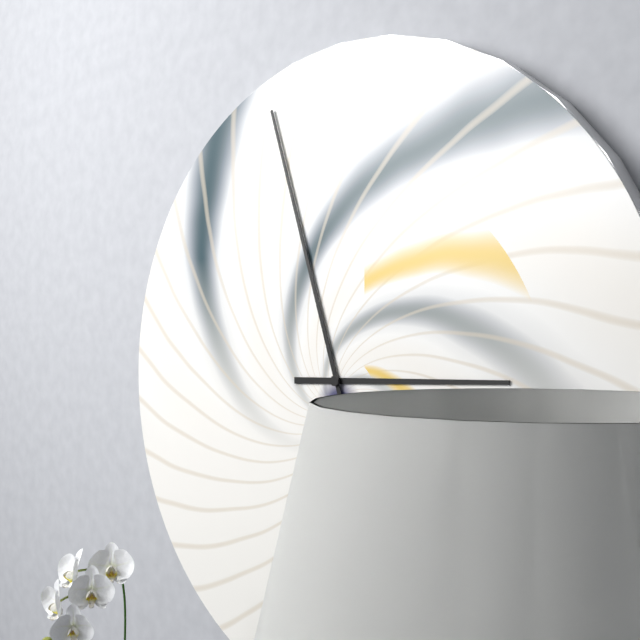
{"hour": 2, "minute": 57}
